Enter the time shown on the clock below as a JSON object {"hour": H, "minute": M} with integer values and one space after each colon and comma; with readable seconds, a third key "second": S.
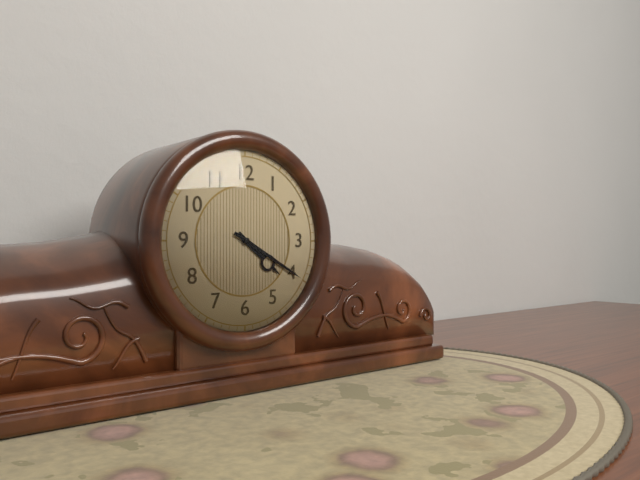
{"hour": 4, "minute": 20}
